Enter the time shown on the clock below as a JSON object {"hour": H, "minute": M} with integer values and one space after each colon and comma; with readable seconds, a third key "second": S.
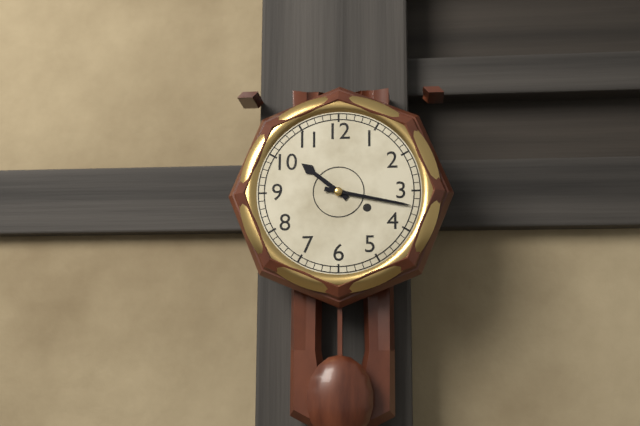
{"hour": 10, "minute": 17}
